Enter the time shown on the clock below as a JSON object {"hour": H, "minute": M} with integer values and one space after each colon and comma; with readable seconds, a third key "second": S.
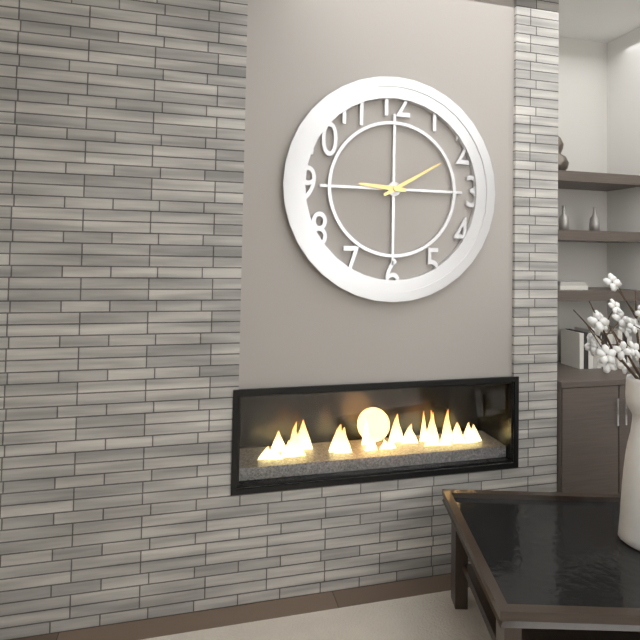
{"hour": 9, "minute": 10}
